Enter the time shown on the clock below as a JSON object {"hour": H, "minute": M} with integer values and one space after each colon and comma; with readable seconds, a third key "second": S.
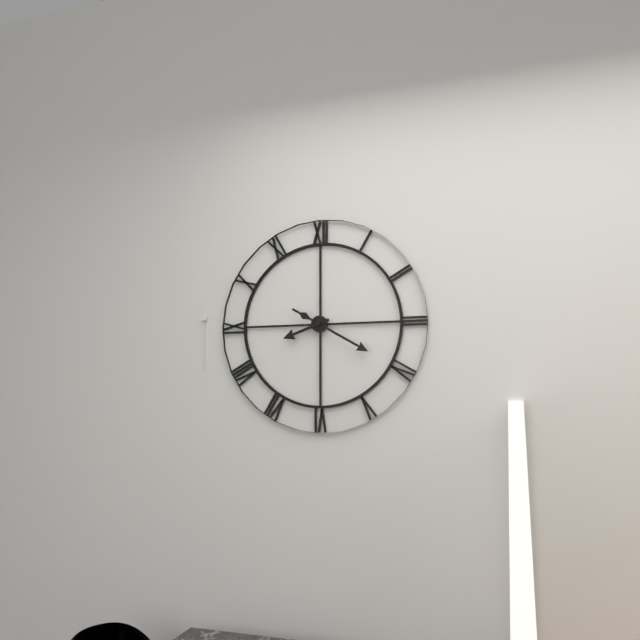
{"hour": 8, "minute": 20}
